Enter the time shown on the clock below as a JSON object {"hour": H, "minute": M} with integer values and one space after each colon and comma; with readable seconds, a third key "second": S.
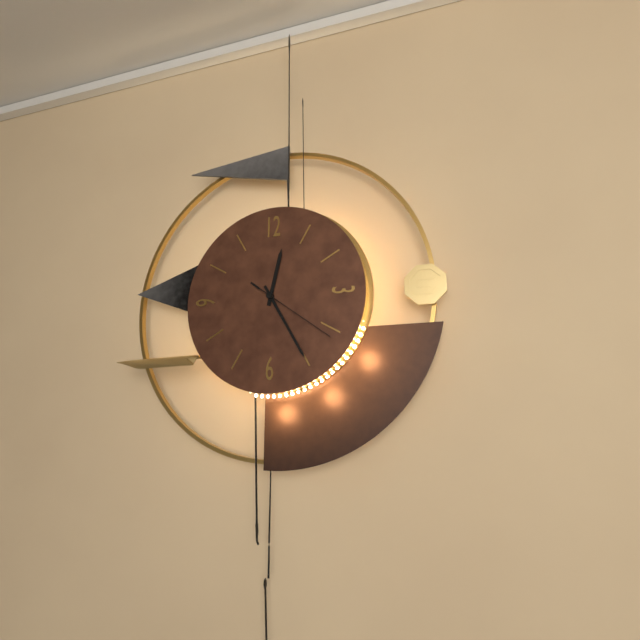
{"hour": 12, "minute": 25, "second": 21}
